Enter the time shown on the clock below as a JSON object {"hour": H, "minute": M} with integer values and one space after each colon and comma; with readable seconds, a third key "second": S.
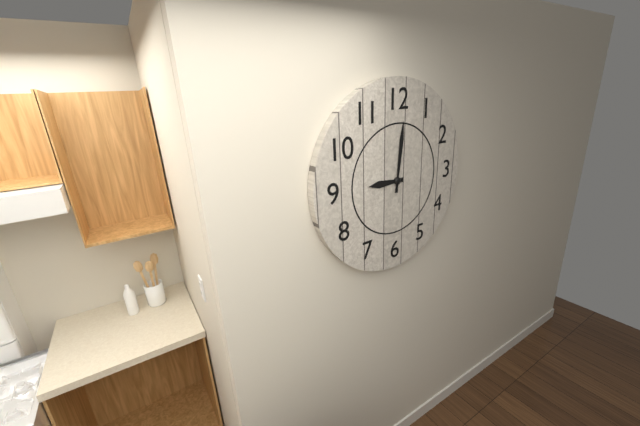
{"hour": 9, "minute": 1}
